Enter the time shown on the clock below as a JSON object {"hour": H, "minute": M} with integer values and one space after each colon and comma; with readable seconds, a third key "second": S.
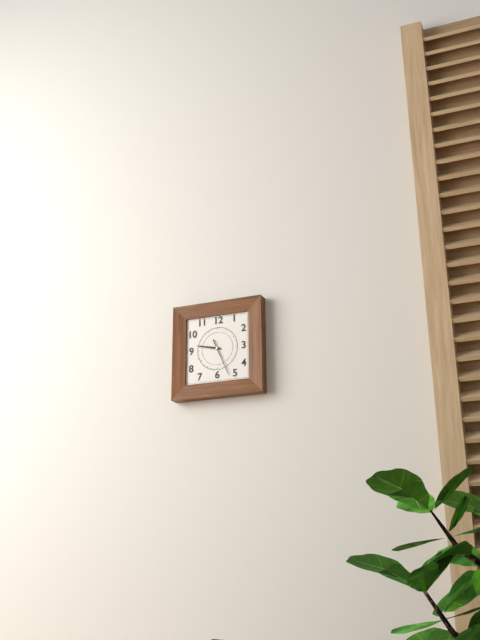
{"hour": 9, "minute": 26}
